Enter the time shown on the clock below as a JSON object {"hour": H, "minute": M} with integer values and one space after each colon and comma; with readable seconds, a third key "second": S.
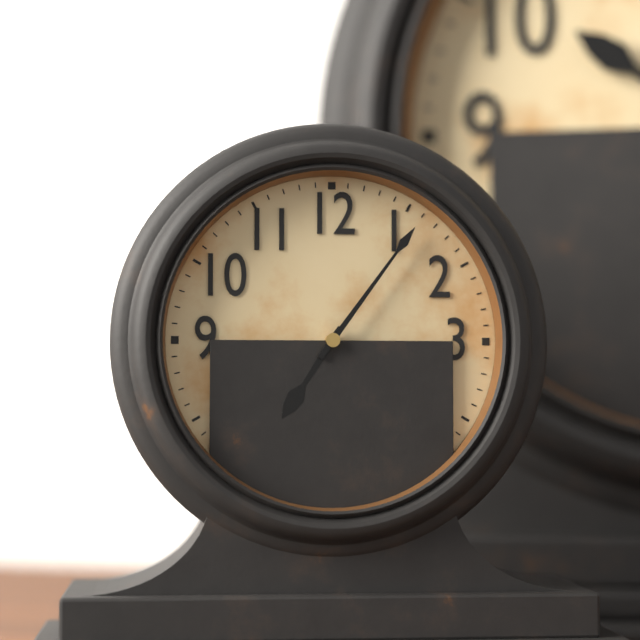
{"hour": 7, "minute": 6}
